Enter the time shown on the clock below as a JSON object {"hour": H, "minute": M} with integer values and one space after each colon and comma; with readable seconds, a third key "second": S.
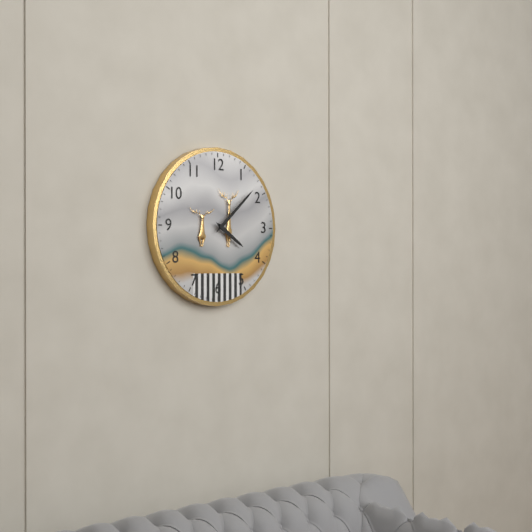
{"hour": 4, "minute": 8}
